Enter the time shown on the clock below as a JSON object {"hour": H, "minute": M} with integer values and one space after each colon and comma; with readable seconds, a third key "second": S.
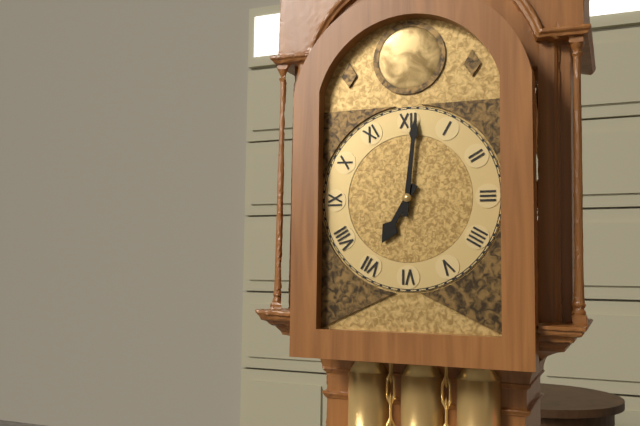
{"hour": 7, "minute": 1}
